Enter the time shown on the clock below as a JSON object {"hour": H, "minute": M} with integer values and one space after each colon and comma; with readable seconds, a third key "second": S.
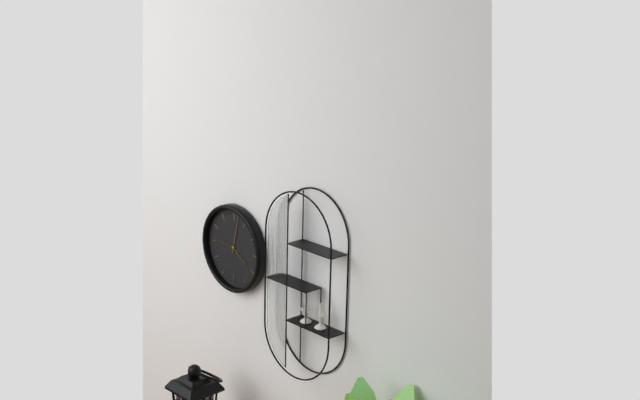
{"hour": 4, "minute": 2}
